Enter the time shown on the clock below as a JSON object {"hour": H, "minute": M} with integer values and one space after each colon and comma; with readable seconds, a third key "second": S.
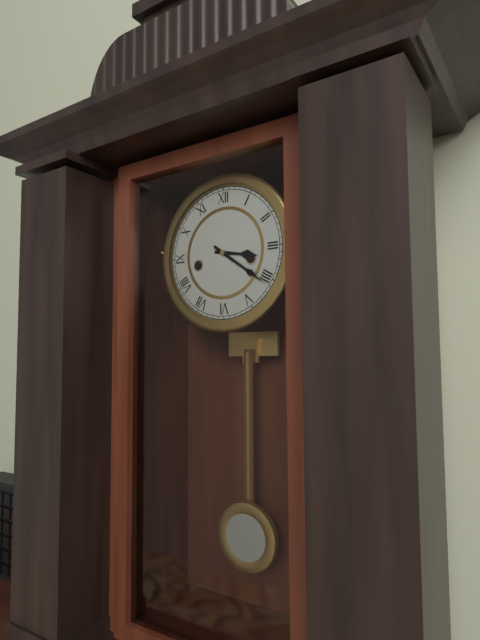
{"hour": 3, "minute": 21}
